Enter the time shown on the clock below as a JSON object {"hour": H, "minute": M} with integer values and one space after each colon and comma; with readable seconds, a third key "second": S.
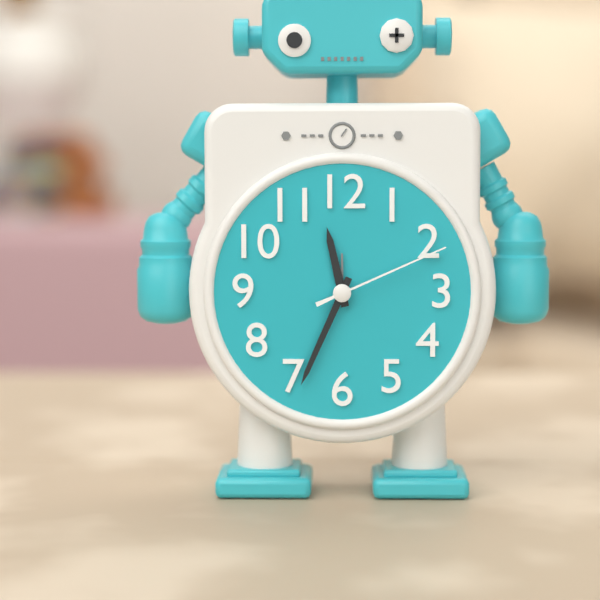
{"hour": 11, "minute": 34, "second": 11}
